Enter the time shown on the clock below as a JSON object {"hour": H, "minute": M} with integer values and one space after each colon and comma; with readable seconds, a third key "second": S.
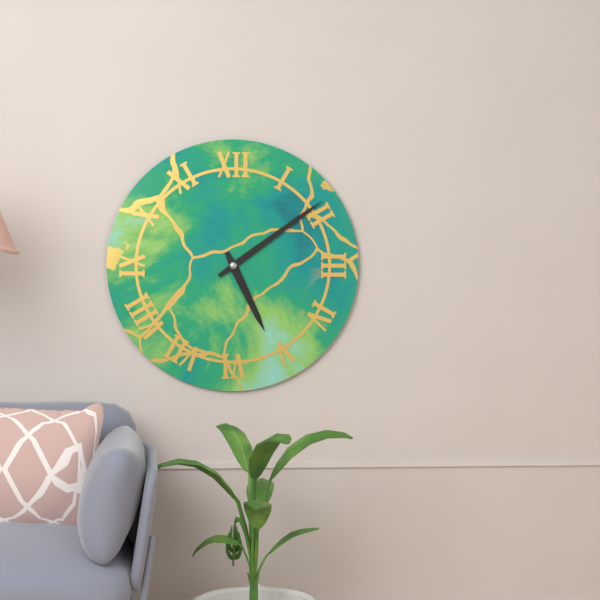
{"hour": 5, "minute": 9}
